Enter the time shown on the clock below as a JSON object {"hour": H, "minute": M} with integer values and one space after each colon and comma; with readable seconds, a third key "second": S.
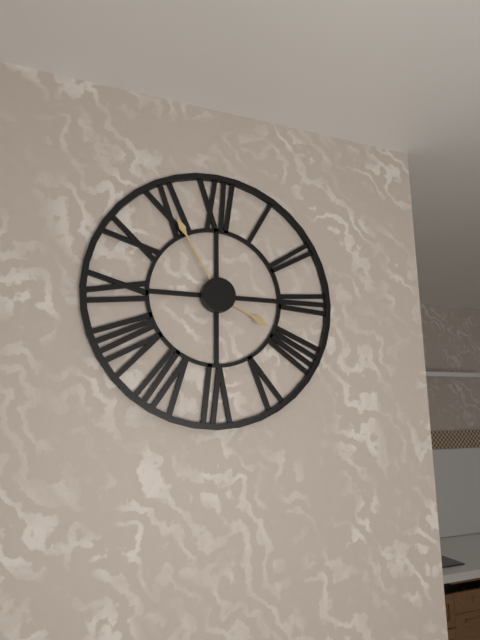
{"hour": 3, "minute": 55}
